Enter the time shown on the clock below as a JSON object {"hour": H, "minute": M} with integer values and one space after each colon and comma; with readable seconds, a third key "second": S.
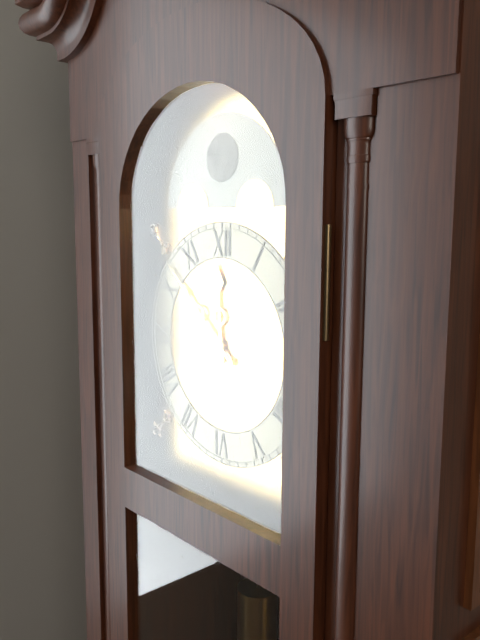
{"hour": 11, "minute": 52}
